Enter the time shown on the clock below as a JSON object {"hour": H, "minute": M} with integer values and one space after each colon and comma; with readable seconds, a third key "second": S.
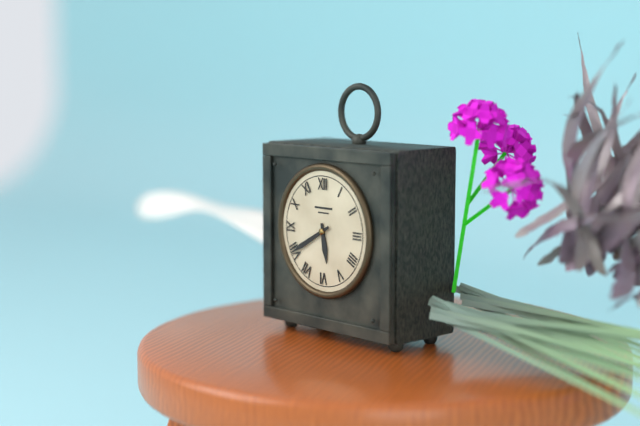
{"hour": 5, "minute": 40}
